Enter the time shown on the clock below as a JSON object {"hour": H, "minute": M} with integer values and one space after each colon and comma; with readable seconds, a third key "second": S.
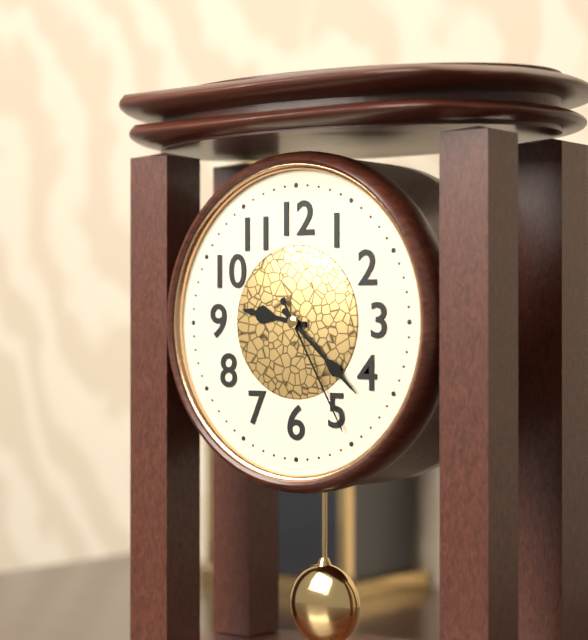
{"hour": 9, "minute": 22, "second": 25}
